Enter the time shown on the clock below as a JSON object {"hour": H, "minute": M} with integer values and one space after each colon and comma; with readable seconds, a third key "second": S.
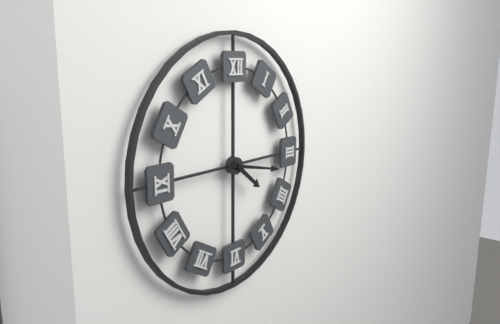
{"hour": 4, "minute": 17}
